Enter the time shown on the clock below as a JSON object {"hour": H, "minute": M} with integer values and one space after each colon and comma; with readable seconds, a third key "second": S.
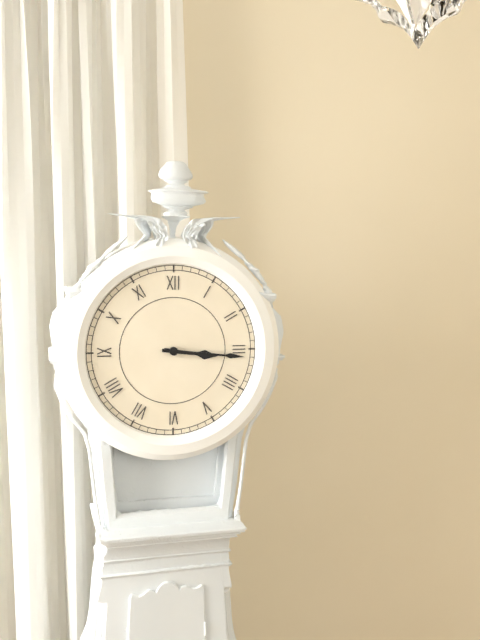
{"hour": 3, "minute": 16}
